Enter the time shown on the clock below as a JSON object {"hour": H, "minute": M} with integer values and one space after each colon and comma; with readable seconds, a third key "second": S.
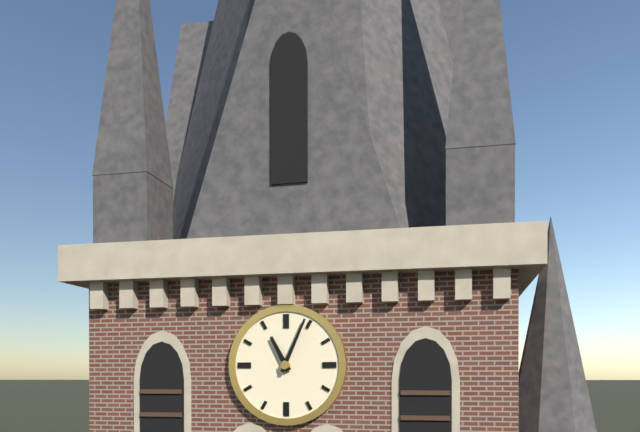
{"hour": 11, "minute": 4}
